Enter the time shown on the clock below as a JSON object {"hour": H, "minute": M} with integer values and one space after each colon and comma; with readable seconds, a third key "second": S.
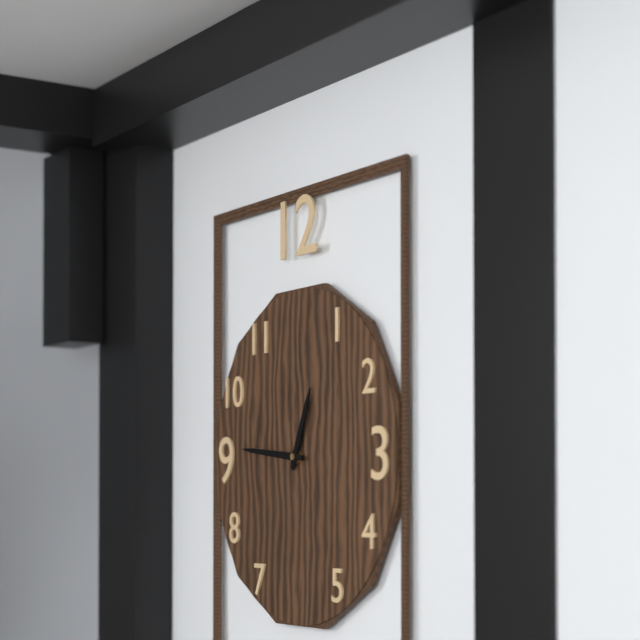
{"hour": 12, "minute": 46}
